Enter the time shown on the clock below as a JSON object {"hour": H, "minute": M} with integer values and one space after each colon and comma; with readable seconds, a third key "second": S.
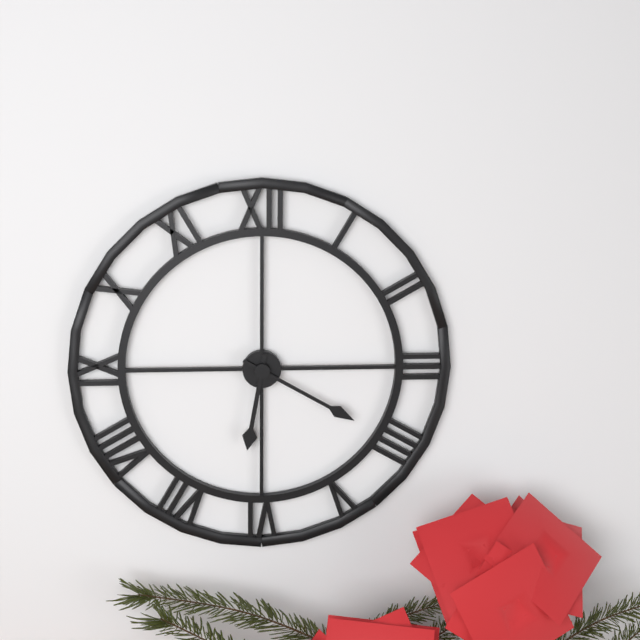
{"hour": 6, "minute": 20}
